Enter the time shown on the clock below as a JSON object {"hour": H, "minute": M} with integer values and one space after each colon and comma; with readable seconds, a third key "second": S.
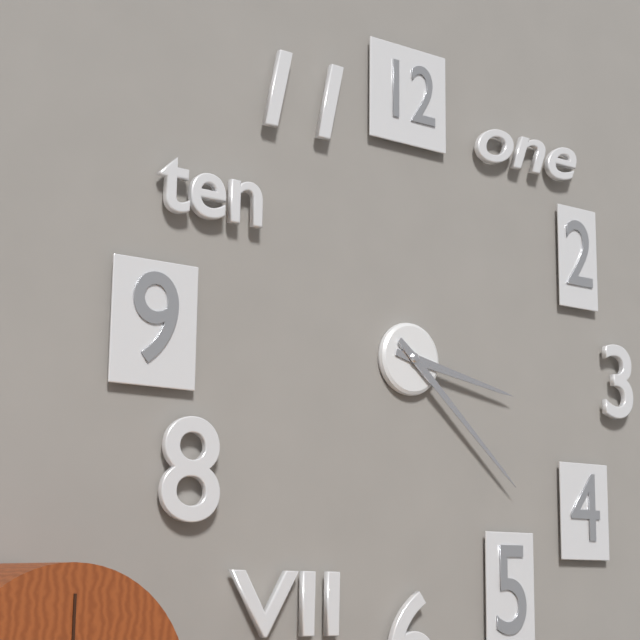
{"hour": 3, "minute": 22}
